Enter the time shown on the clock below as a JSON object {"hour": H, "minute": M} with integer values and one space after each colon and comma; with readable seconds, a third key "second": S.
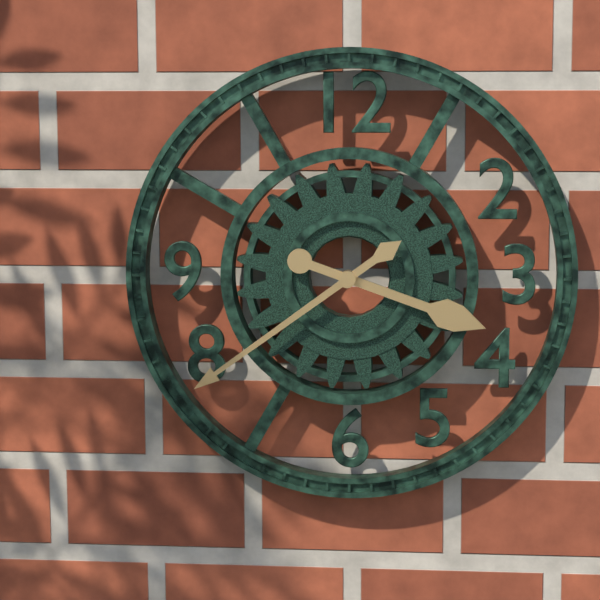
{"hour": 3, "minute": 39}
